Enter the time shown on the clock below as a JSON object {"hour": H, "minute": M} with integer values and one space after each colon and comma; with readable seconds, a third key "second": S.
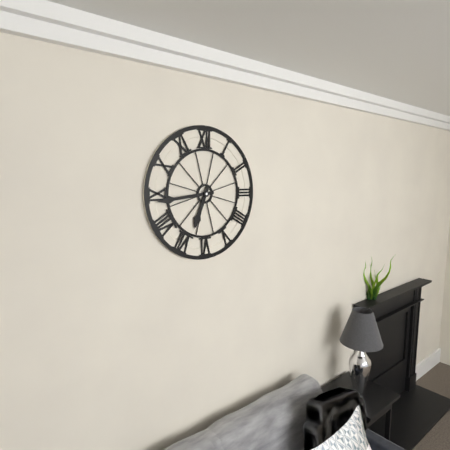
{"hour": 6, "minute": 44}
